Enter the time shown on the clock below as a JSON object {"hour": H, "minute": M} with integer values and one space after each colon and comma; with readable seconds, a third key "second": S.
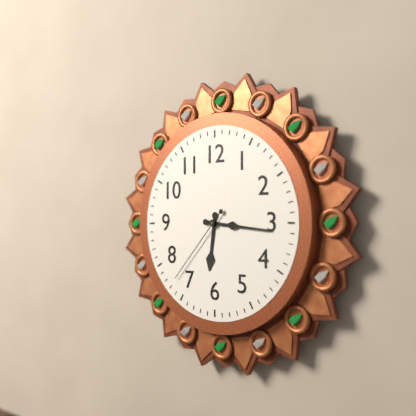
{"hour": 6, "minute": 16, "second": 37}
